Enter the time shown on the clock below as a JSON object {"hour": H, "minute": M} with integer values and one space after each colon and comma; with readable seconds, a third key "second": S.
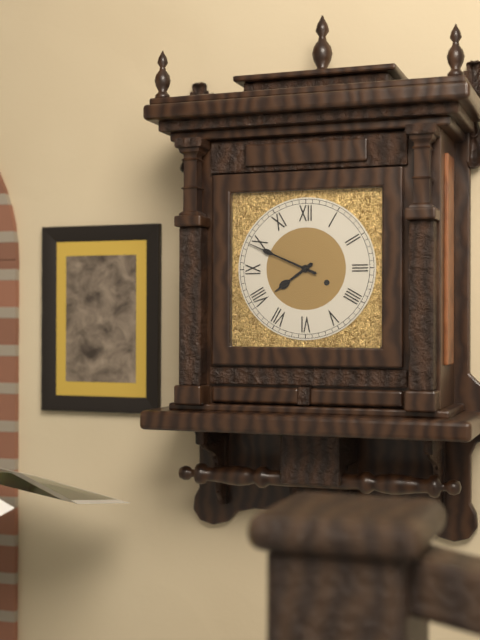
{"hour": 7, "minute": 49}
